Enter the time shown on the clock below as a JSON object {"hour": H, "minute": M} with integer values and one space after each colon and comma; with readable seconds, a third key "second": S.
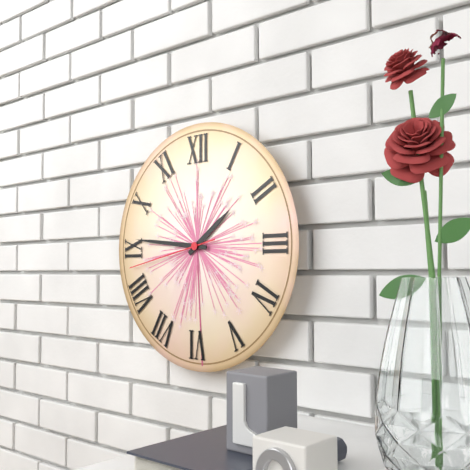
{"hour": 1, "minute": 46, "second": 43}
